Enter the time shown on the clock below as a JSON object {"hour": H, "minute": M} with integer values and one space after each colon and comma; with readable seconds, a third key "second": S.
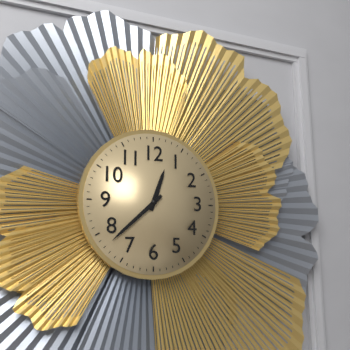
{"hour": 12, "minute": 38}
